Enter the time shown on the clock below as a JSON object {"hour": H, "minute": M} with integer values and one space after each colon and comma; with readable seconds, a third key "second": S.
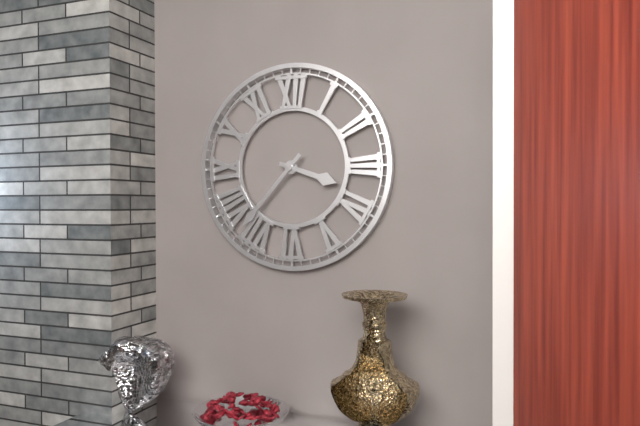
{"hour": 3, "minute": 37}
